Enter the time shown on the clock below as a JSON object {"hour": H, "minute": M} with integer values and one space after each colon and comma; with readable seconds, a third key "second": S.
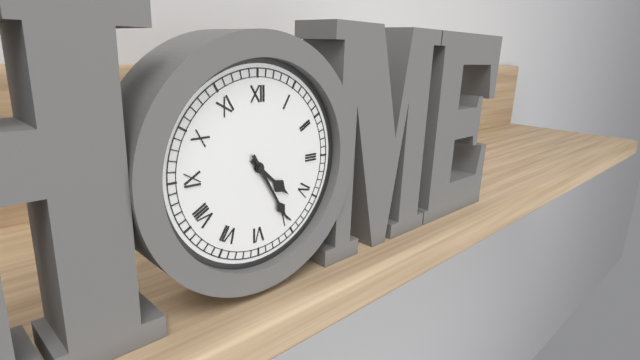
{"hour": 4, "minute": 25}
